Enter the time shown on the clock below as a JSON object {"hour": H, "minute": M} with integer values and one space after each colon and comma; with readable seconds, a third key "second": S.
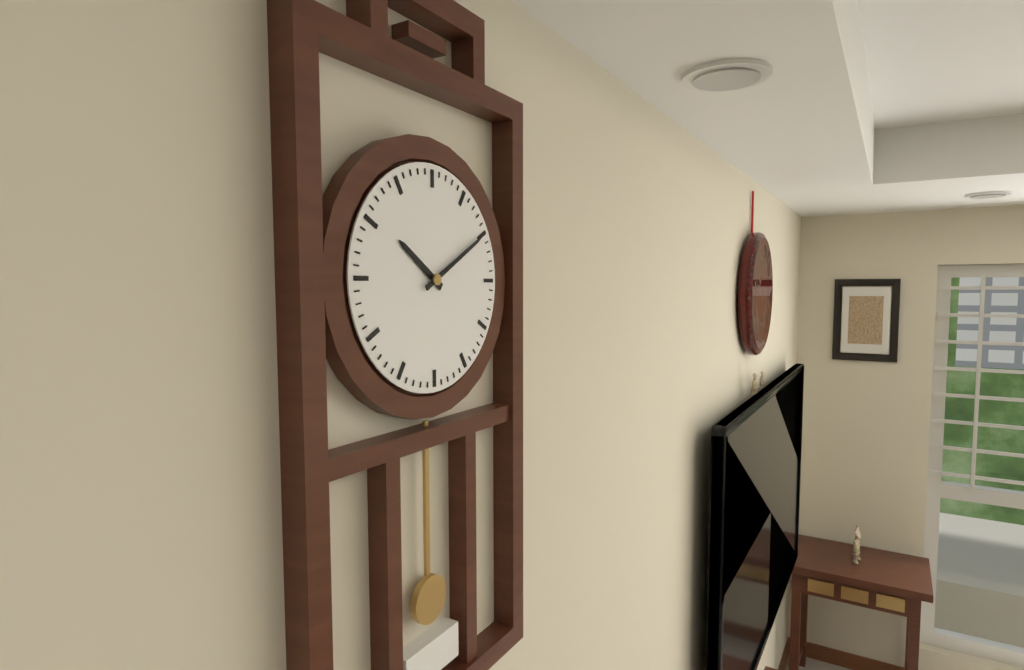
{"hour": 10, "minute": 10}
